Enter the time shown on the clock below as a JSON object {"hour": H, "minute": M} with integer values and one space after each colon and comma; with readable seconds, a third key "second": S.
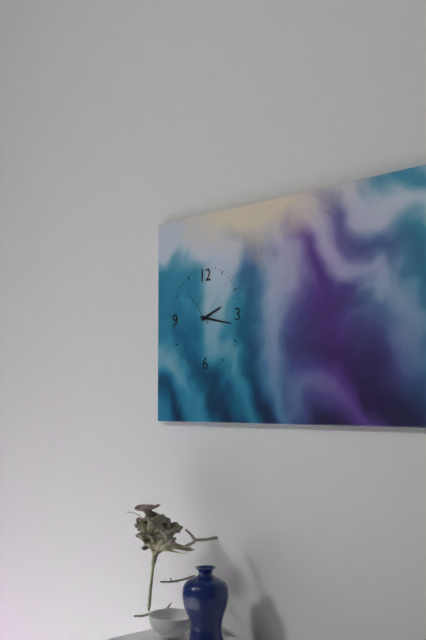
{"hour": 2, "minute": 17}
